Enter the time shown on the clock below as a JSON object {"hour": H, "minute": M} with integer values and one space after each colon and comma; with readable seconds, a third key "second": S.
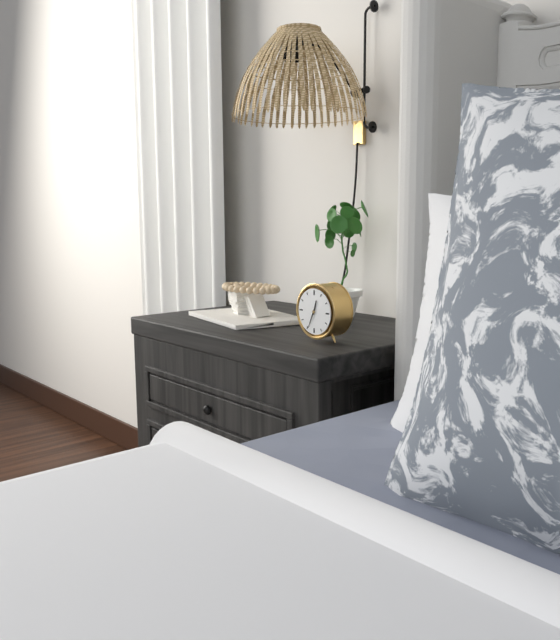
{"hour": 12, "minute": 34}
